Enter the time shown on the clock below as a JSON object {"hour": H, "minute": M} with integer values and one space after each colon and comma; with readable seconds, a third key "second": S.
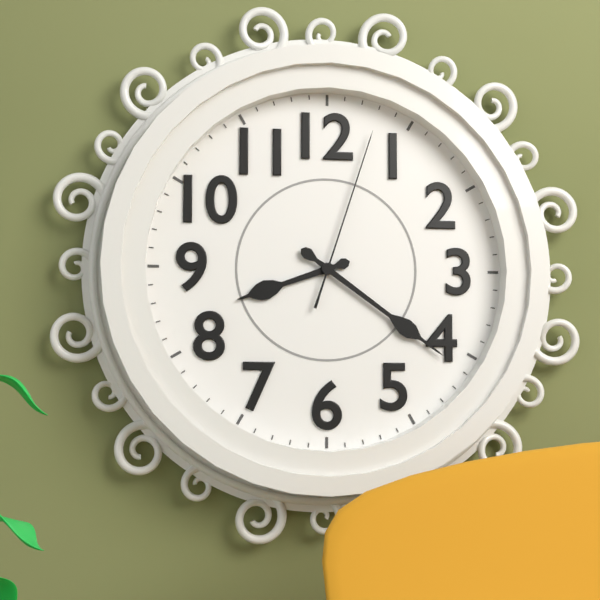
{"hour": 8, "minute": 21, "second": 3}
